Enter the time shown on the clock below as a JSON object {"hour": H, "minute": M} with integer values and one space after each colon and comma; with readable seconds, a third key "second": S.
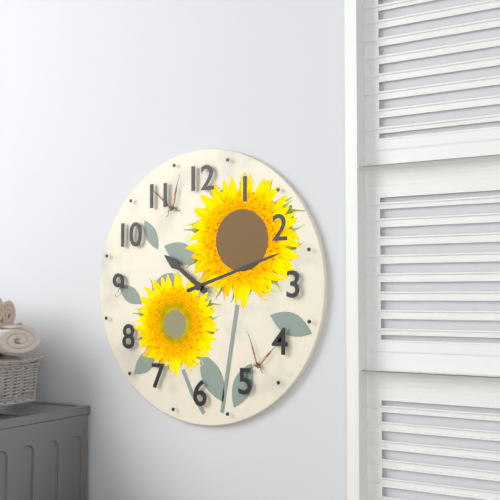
{"hour": 10, "minute": 12}
